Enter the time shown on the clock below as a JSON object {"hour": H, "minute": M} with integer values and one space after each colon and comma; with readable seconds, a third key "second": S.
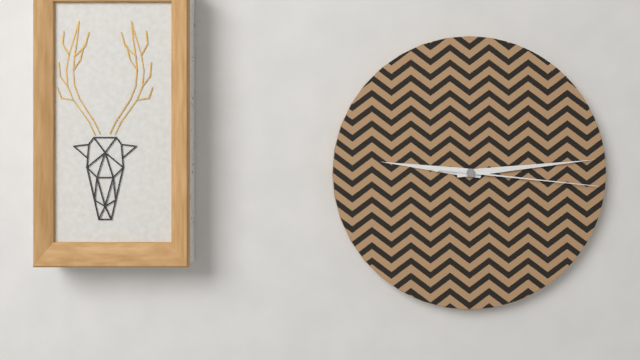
{"hour": 9, "minute": 14, "second": 16}
